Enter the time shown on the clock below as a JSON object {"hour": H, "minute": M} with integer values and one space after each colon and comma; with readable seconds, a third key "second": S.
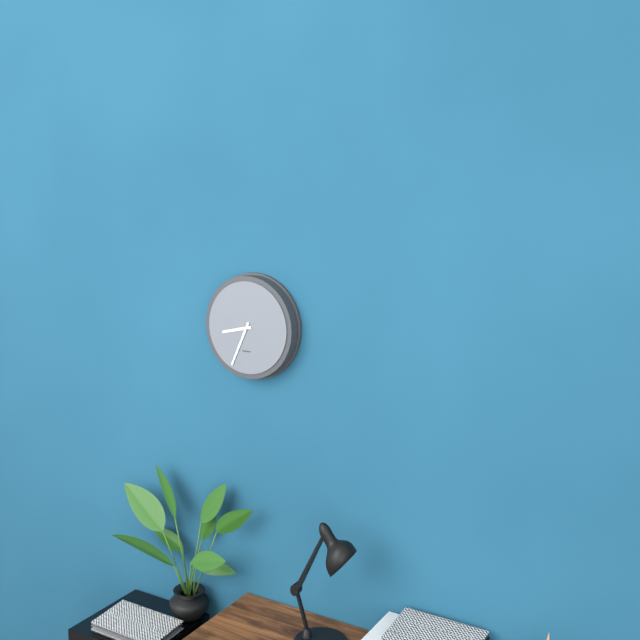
{"hour": 8, "minute": 34}
